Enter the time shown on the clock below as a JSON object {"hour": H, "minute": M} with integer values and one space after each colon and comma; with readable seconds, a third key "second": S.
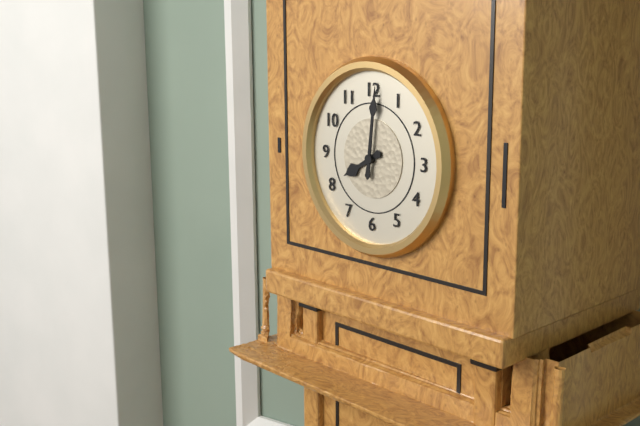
{"hour": 8, "minute": 1}
